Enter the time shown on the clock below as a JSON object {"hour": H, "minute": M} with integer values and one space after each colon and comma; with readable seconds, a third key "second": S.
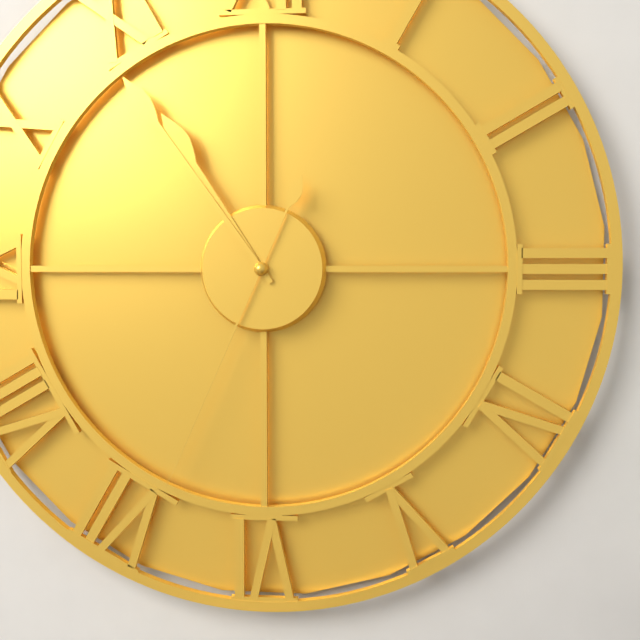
{"hour": 10, "minute": 54, "second": 34}
